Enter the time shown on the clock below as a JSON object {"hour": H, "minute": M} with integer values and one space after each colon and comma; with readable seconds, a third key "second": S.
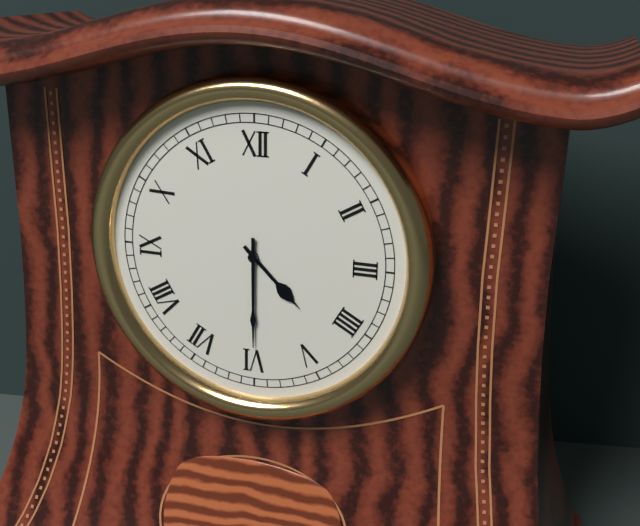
{"hour": 4, "minute": 30}
